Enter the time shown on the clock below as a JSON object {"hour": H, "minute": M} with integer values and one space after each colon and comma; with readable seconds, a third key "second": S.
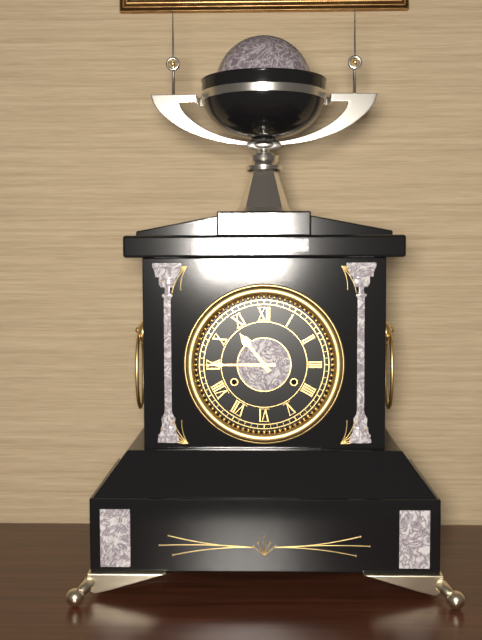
{"hour": 10, "minute": 45}
